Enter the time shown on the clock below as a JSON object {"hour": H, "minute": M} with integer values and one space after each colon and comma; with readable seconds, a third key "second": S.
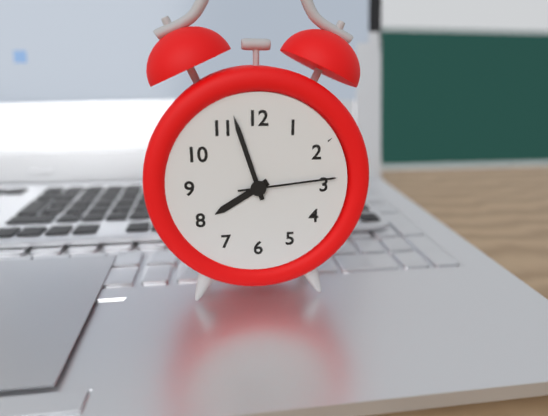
{"hour": 7, "minute": 57, "second": 14}
